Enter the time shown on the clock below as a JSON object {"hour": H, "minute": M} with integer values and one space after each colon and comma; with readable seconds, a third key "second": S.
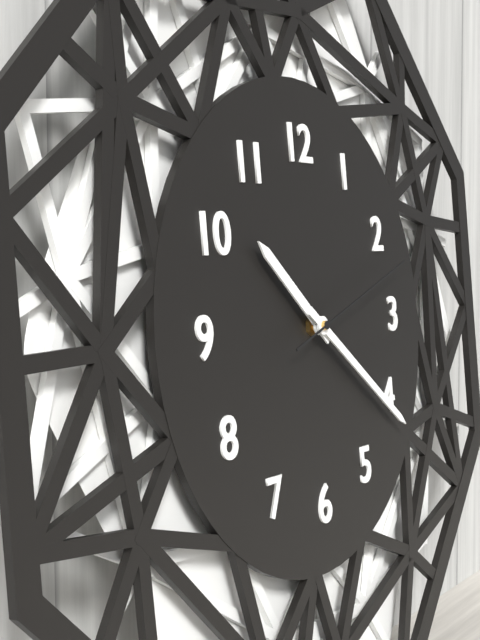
{"hour": 10, "minute": 21, "second": 12}
